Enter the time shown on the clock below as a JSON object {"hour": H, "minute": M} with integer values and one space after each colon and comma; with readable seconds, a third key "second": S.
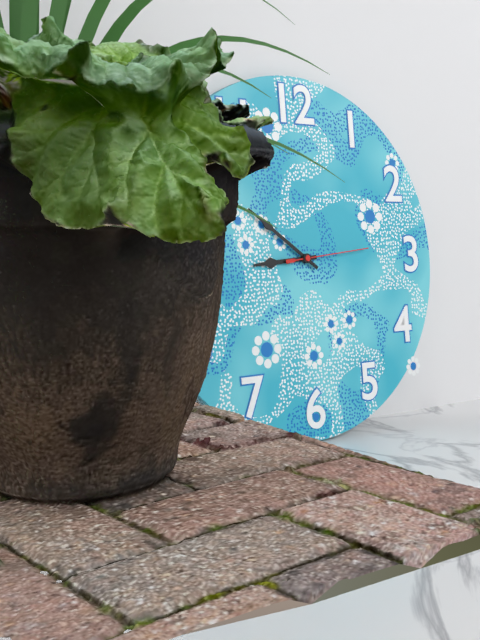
{"hour": 8, "minute": 51, "second": 14}
